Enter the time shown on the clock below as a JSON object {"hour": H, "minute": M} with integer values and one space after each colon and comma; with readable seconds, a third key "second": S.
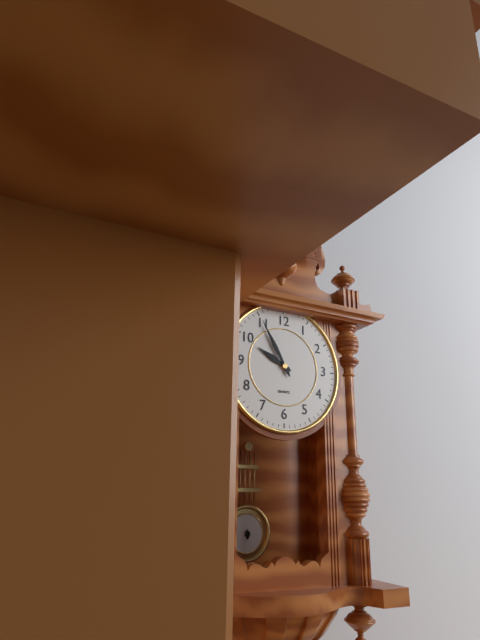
{"hour": 9, "minute": 55}
